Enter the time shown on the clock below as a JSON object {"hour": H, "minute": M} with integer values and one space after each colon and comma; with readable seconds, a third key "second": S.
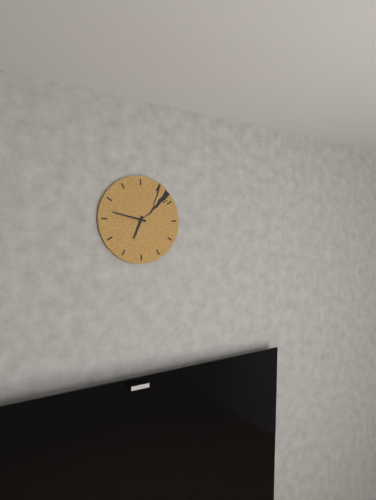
{"hour": 6, "minute": 47}
